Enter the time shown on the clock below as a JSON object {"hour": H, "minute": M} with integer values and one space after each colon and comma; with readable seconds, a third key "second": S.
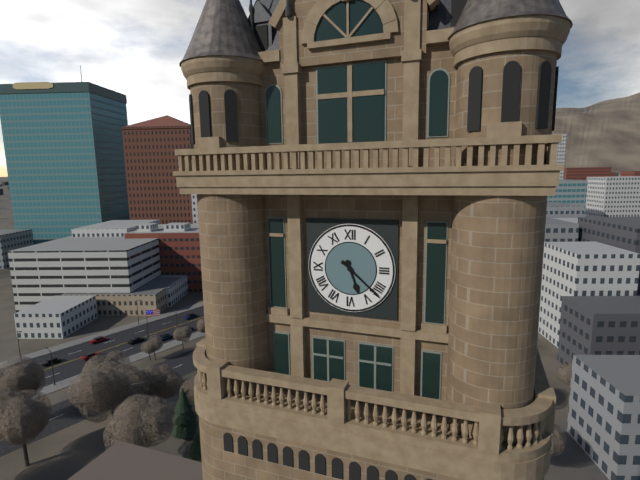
{"hour": 5, "minute": 22}
